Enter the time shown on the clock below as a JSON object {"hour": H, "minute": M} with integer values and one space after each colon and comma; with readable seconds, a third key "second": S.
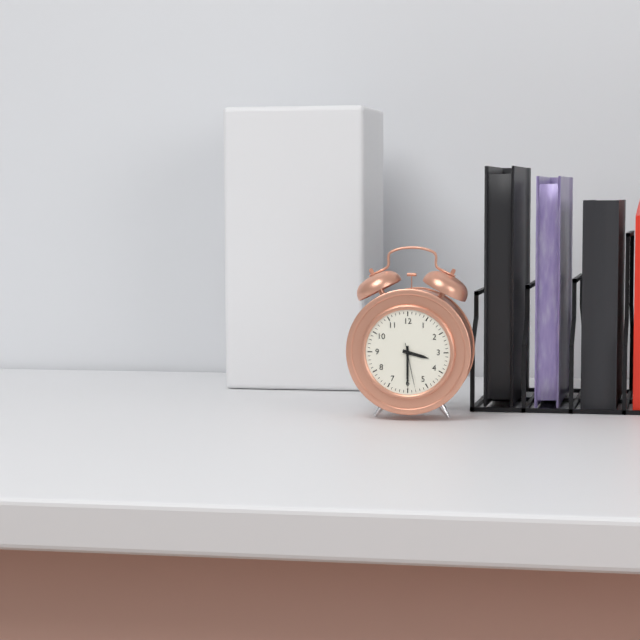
{"hour": 3, "minute": 30}
